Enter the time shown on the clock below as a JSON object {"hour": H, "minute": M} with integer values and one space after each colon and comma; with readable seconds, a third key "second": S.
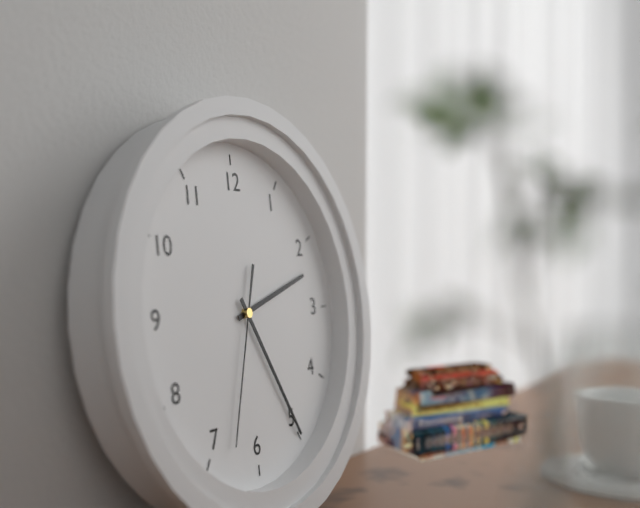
{"hour": 2, "minute": 25, "second": 33}
